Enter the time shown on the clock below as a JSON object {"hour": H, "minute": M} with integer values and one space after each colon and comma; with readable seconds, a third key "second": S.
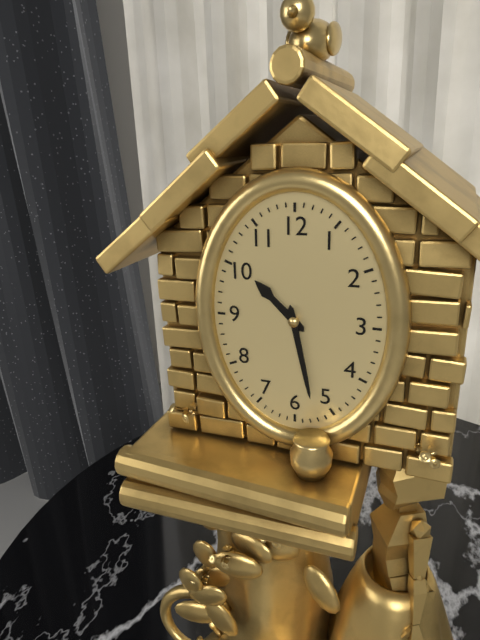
{"hour": 10, "minute": 28}
